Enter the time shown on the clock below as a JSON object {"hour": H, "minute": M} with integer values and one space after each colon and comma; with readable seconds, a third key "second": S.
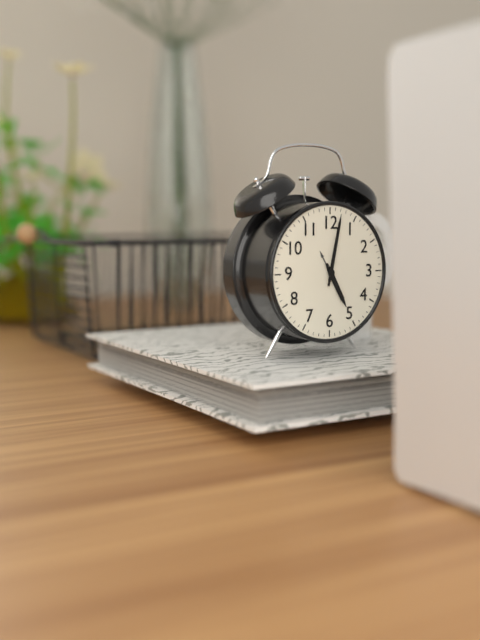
{"hour": 5, "minute": 2}
